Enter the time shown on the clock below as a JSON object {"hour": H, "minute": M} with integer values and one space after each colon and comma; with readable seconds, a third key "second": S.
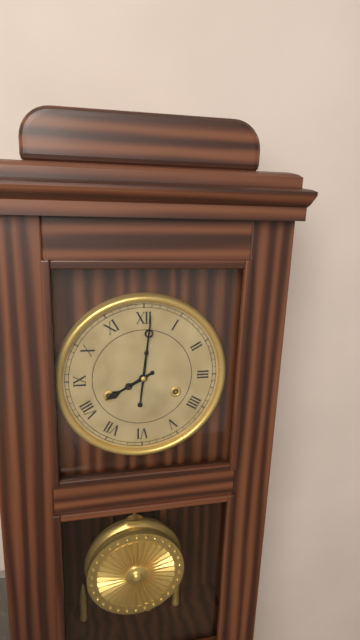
{"hour": 8, "minute": 1}
